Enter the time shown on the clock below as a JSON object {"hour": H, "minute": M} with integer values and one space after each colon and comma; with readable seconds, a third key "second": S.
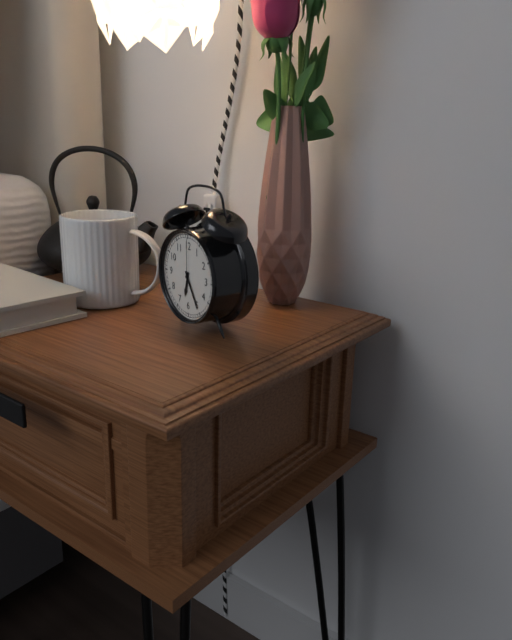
{"hour": 6, "minute": 25}
